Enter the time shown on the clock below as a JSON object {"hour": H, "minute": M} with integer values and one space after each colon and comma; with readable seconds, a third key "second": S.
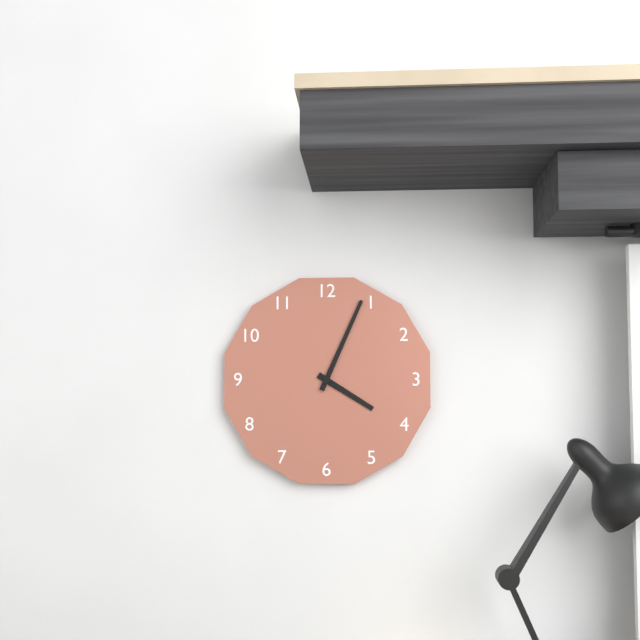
{"hour": 4, "minute": 4}
